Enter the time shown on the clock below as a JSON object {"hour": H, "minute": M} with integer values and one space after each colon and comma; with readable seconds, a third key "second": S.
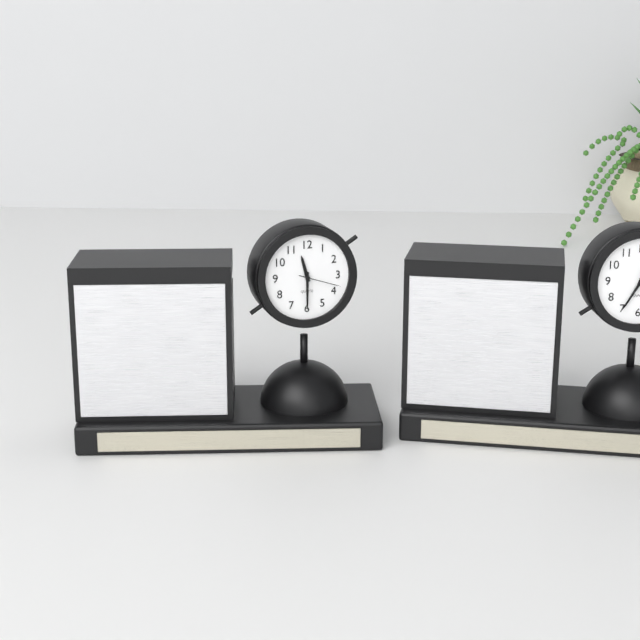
{"hour": 11, "minute": 30}
